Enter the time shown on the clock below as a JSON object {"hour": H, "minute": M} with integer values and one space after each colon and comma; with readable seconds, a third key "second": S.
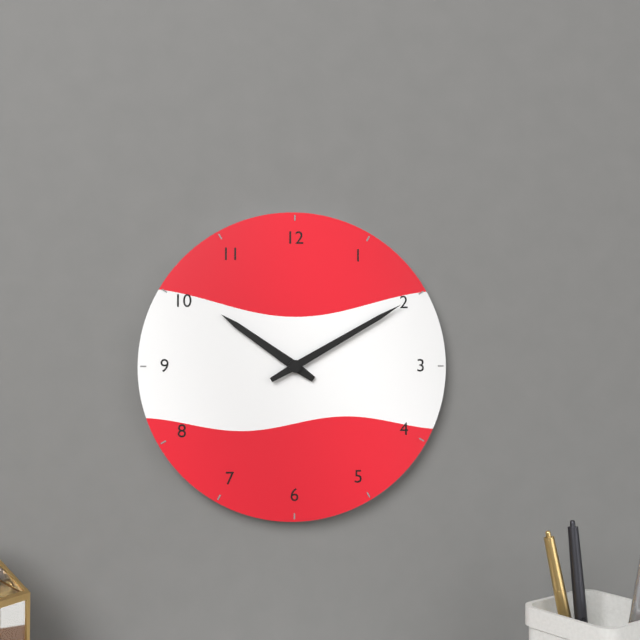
{"hour": 10, "minute": 10}
